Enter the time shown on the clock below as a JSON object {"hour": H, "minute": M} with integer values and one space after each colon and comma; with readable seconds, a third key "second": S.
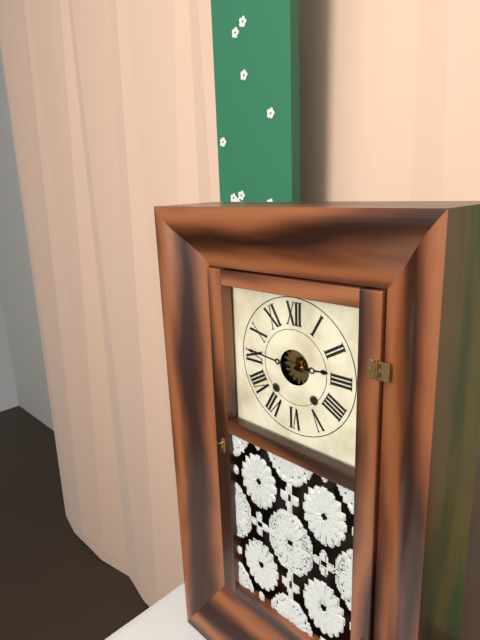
{"hour": 2, "minute": 46}
